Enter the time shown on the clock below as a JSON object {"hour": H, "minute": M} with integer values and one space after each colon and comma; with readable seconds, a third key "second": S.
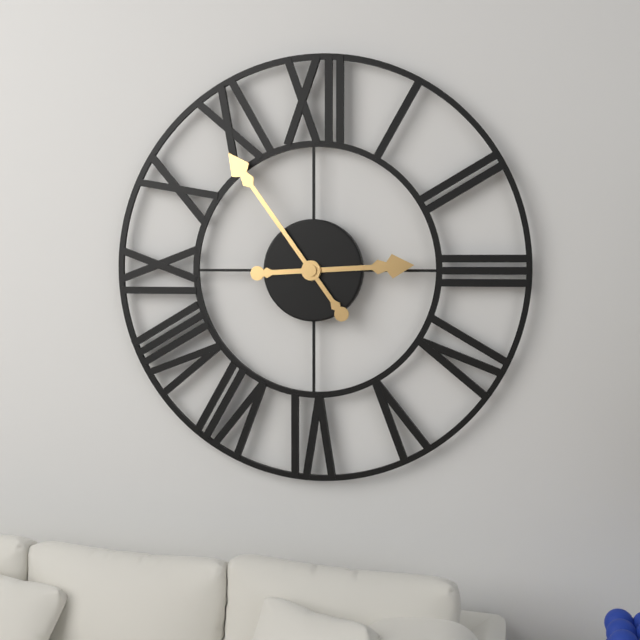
{"hour": 2, "minute": 54}
